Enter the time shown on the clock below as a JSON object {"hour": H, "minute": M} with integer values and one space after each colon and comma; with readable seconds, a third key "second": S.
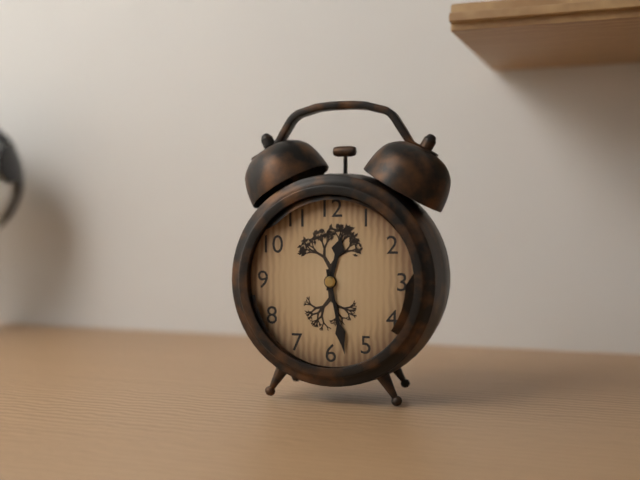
{"hour": 12, "minute": 28}
